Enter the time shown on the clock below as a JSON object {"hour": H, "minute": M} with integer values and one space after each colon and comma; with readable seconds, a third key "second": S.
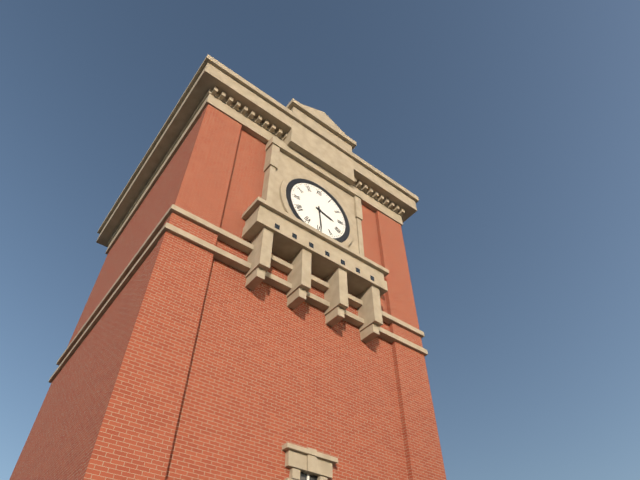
{"hour": 3, "minute": 29}
